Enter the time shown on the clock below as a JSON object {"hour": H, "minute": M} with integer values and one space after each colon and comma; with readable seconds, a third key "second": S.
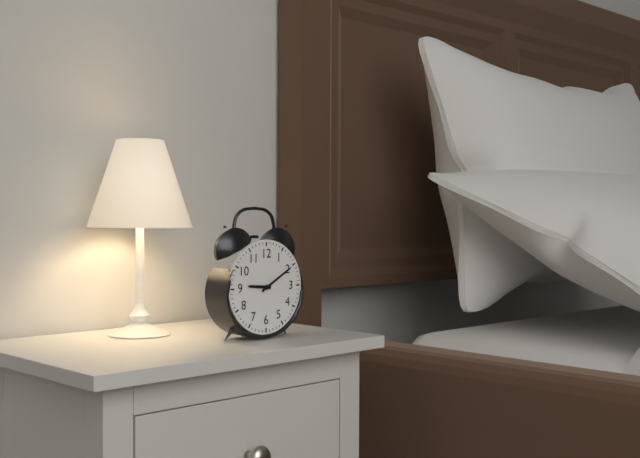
{"hour": 9, "minute": 10}
